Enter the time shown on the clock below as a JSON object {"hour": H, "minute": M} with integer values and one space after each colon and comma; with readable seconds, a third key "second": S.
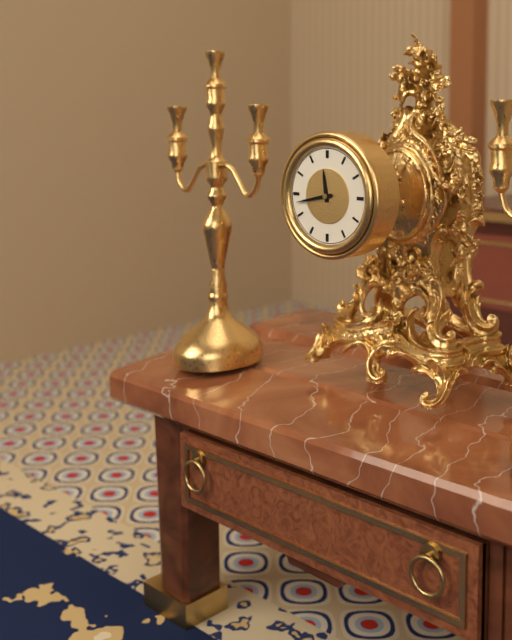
{"hour": 11, "minute": 43}
